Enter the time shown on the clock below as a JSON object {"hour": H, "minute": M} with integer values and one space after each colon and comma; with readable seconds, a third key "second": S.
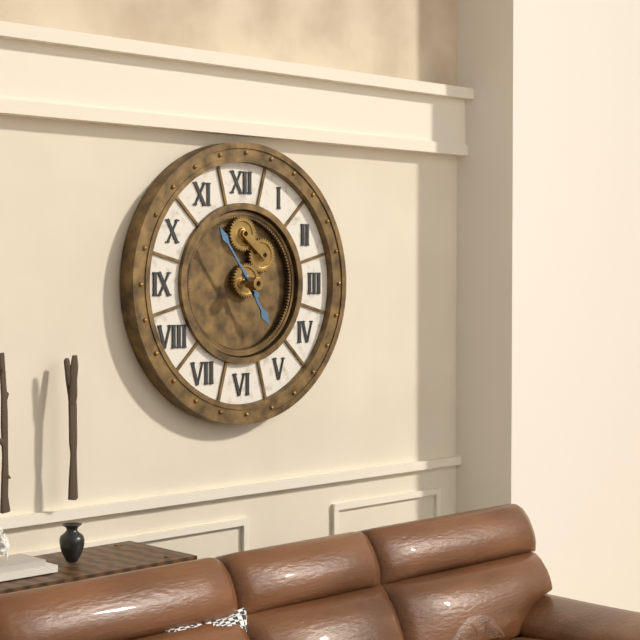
{"hour": 4, "minute": 54}
